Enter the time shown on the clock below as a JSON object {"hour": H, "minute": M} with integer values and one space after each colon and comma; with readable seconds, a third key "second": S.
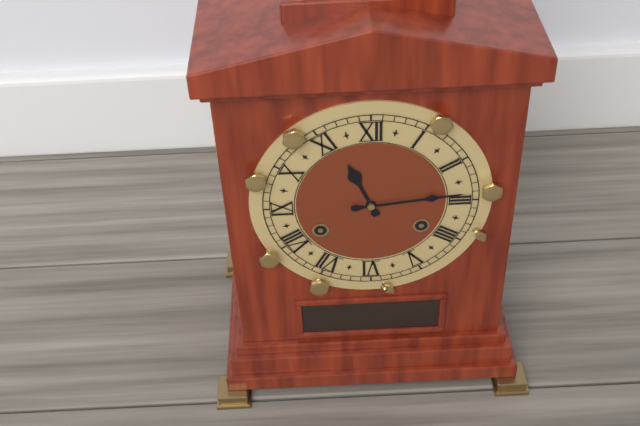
{"hour": 11, "minute": 14}
